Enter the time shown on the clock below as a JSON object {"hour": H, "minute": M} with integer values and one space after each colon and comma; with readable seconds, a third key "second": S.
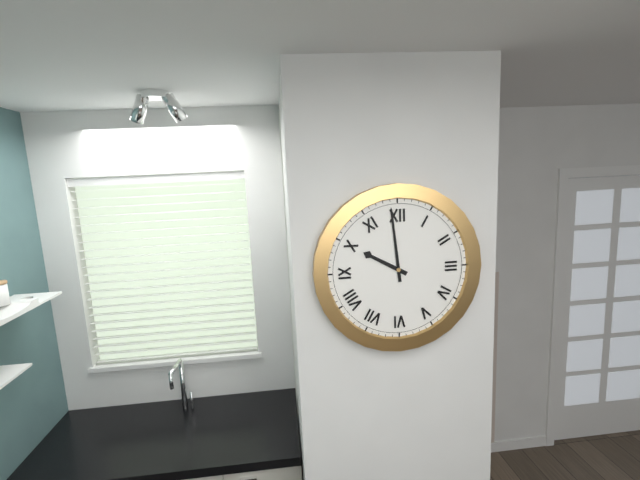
{"hour": 9, "minute": 59}
